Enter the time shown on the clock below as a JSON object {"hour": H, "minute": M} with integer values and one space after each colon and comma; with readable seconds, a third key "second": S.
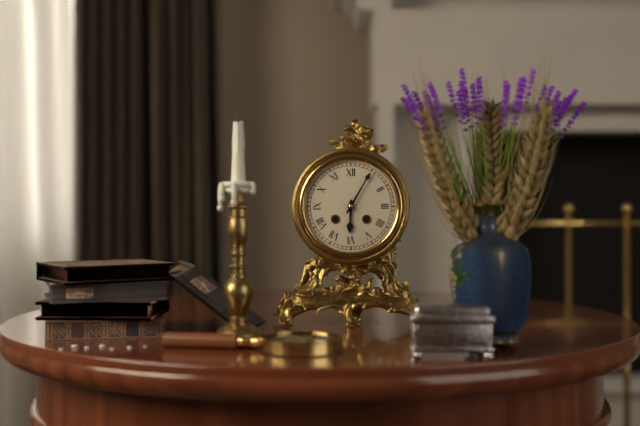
{"hour": 6, "minute": 5}
